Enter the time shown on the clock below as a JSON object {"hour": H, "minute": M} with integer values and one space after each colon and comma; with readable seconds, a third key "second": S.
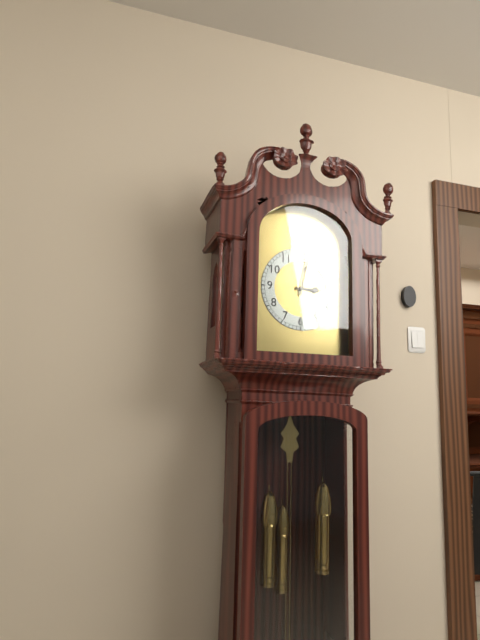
{"hour": 3, "minute": 2}
